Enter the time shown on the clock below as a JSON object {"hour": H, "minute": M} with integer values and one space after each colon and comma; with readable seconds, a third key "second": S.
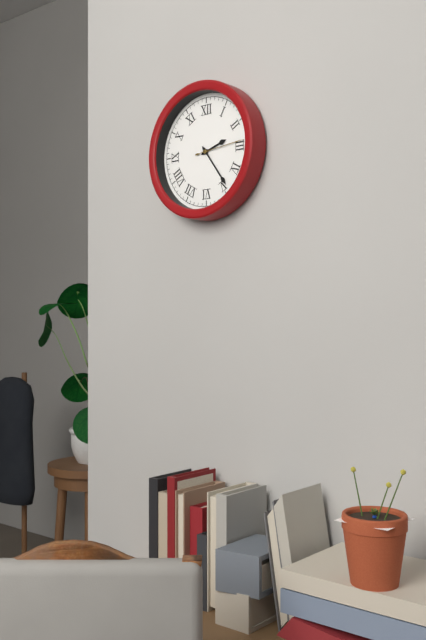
{"hour": 2, "minute": 24, "second": 14}
